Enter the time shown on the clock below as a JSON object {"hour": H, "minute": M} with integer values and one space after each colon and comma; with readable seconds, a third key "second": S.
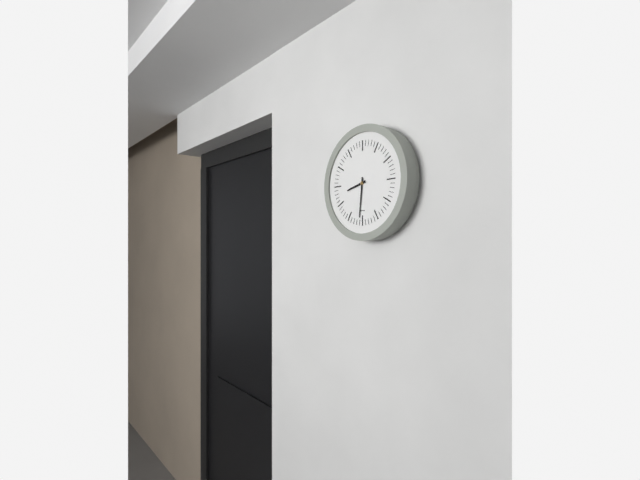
{"hour": 8, "minute": 31}
